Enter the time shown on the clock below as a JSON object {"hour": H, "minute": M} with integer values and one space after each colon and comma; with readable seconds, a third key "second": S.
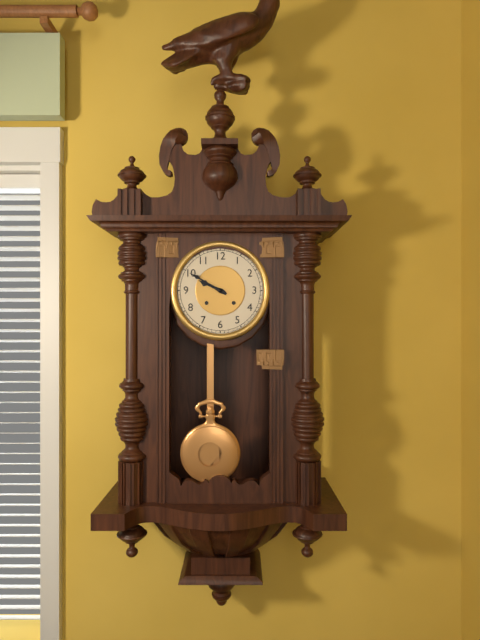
{"hour": 9, "minute": 50}
